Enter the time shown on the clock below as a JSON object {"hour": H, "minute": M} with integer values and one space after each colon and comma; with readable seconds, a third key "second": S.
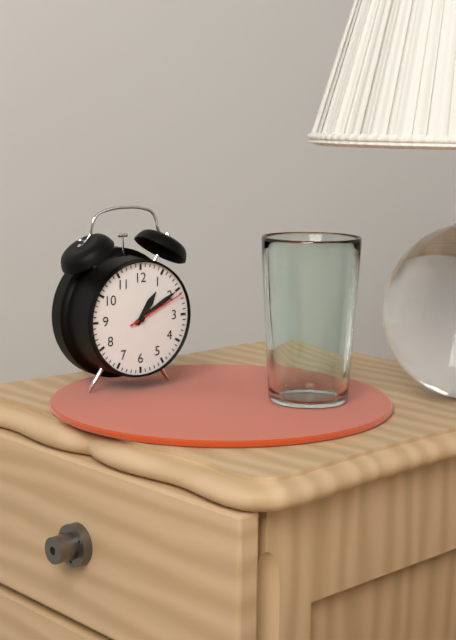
{"hour": 1, "minute": 10, "second": 11}
